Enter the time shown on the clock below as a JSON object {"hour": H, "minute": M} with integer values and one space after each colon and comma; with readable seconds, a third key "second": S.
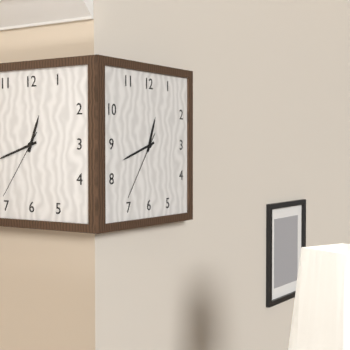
{"hour": 12, "minute": 42, "second": 36}
